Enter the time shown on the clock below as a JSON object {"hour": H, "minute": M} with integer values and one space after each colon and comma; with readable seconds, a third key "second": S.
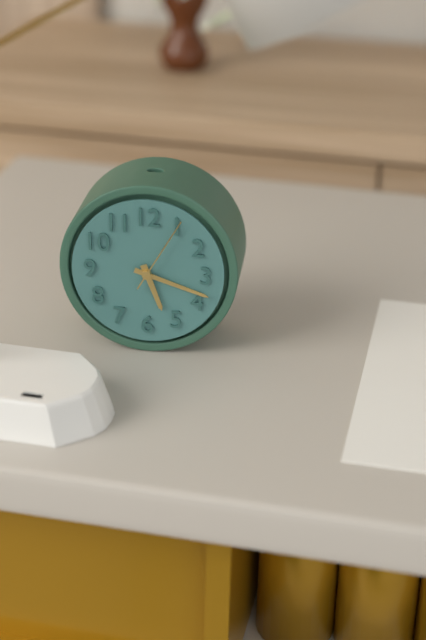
{"hour": 5, "minute": 18, "second": 5}
